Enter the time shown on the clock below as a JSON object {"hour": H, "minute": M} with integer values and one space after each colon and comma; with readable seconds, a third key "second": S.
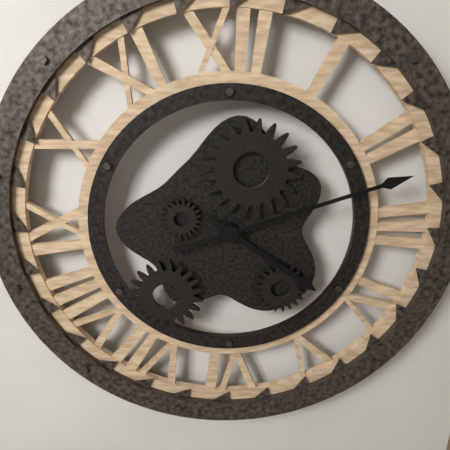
{"hour": 4, "minute": 12}
